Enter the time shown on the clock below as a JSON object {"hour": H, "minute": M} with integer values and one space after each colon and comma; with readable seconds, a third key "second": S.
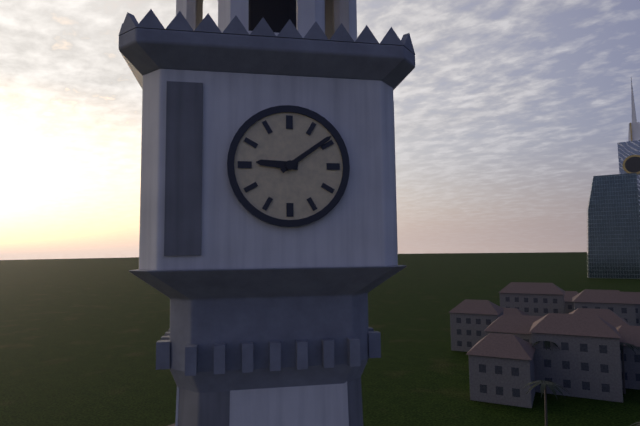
{"hour": 9, "minute": 9}
